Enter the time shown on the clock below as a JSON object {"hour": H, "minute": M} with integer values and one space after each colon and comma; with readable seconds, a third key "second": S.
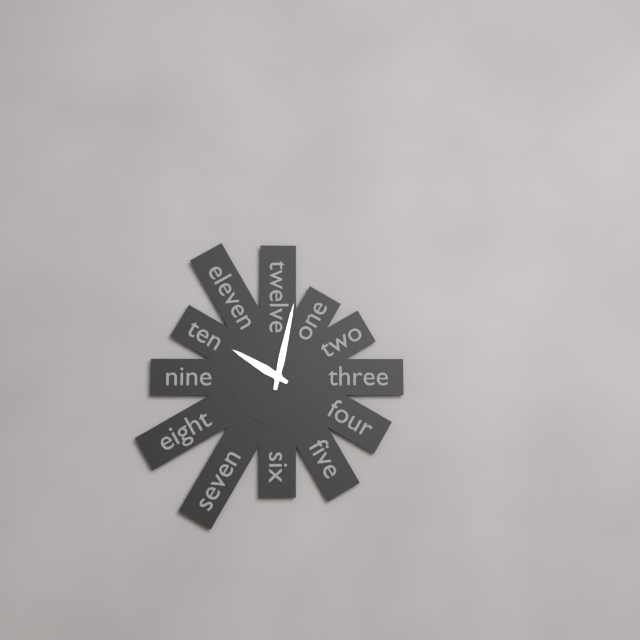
{"hour": 10, "minute": 2}
